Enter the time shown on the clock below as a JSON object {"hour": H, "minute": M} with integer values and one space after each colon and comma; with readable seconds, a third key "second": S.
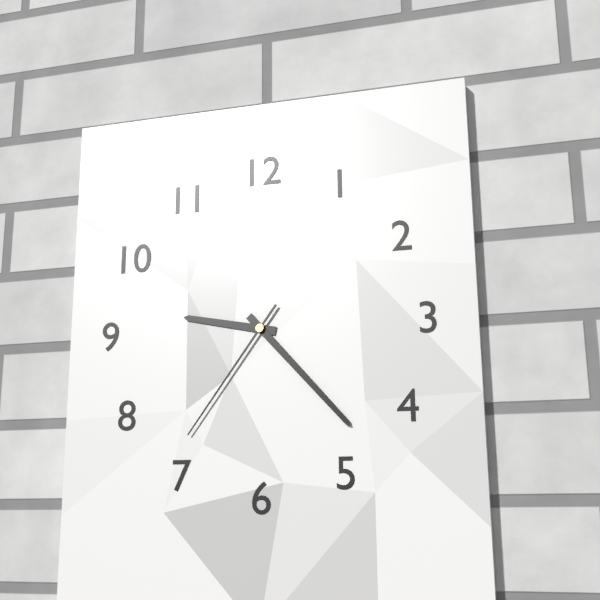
{"hour": 9, "minute": 23, "second": 36}
